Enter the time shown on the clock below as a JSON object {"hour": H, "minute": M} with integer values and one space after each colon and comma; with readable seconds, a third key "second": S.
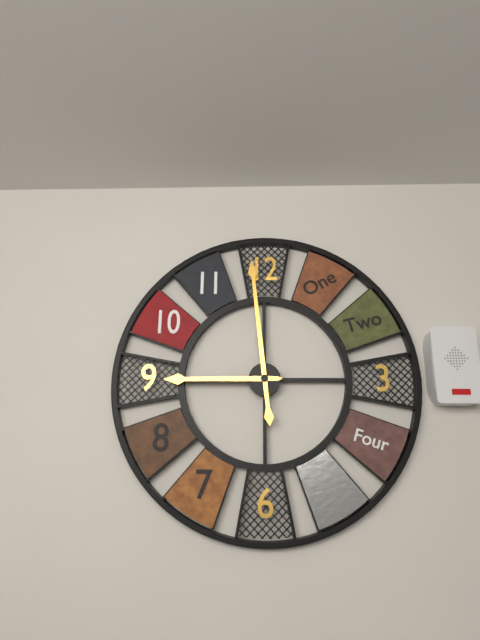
{"hour": 8, "minute": 59}
